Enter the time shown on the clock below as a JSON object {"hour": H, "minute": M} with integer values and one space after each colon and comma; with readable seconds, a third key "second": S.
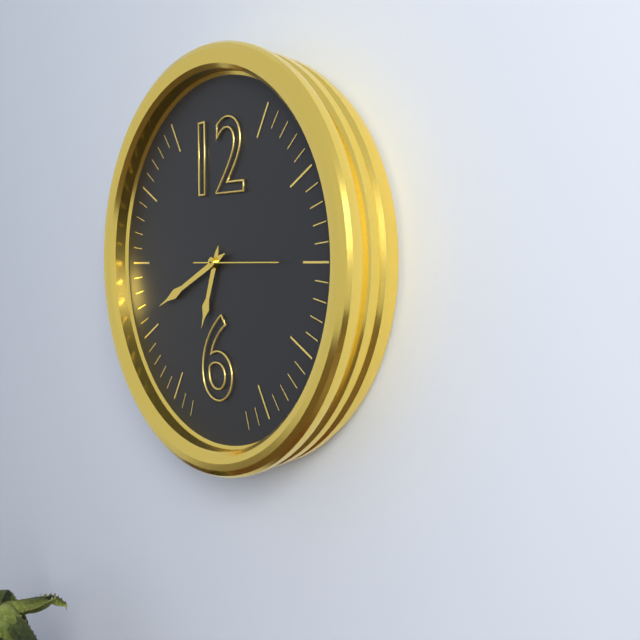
{"hour": 6, "minute": 41}
